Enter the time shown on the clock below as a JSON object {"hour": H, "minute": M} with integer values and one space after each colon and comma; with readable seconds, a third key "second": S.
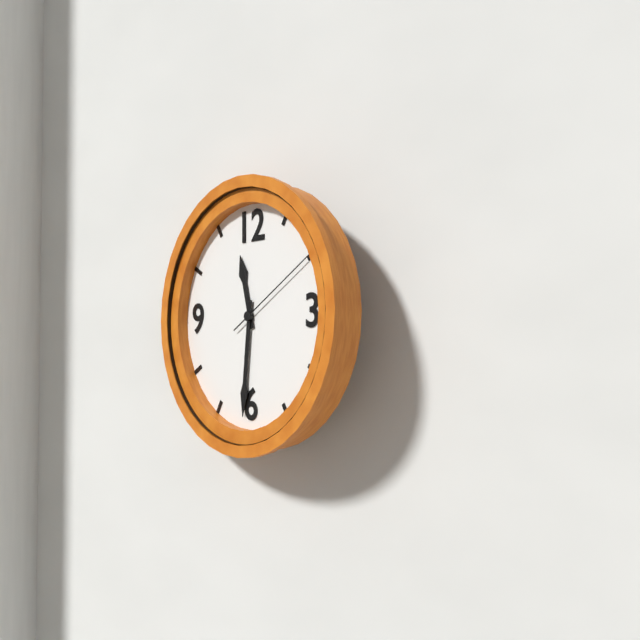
{"hour": 11, "minute": 31, "second": 10}
